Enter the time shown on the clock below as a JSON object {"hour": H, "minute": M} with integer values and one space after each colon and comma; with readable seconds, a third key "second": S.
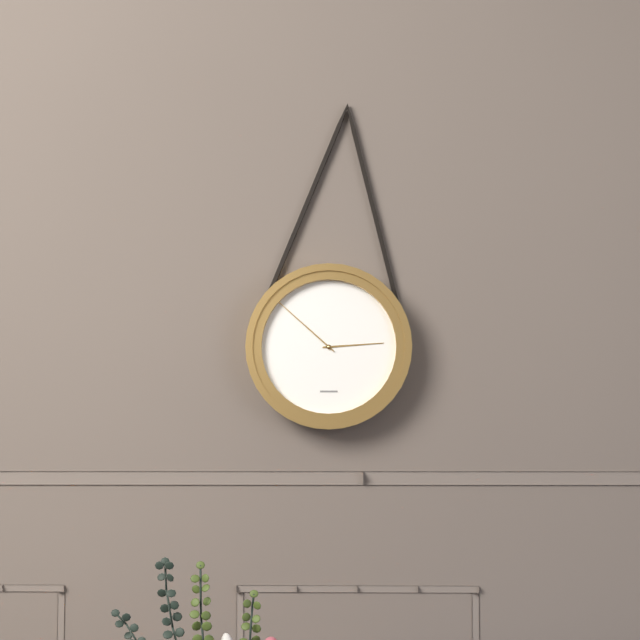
{"hour": 2, "minute": 52}
